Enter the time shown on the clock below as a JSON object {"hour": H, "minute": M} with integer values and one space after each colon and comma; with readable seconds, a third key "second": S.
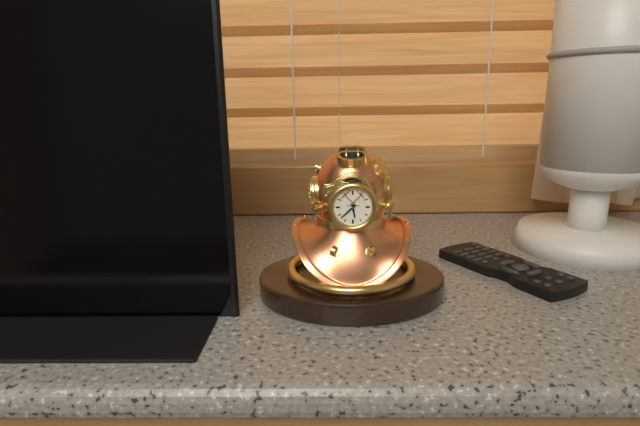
{"hour": 5, "minute": 38}
